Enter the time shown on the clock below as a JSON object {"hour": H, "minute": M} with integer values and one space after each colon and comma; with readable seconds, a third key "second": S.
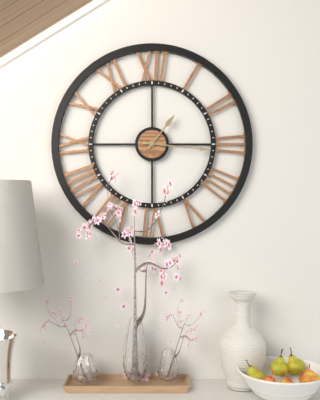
{"hour": 1, "minute": 16}
